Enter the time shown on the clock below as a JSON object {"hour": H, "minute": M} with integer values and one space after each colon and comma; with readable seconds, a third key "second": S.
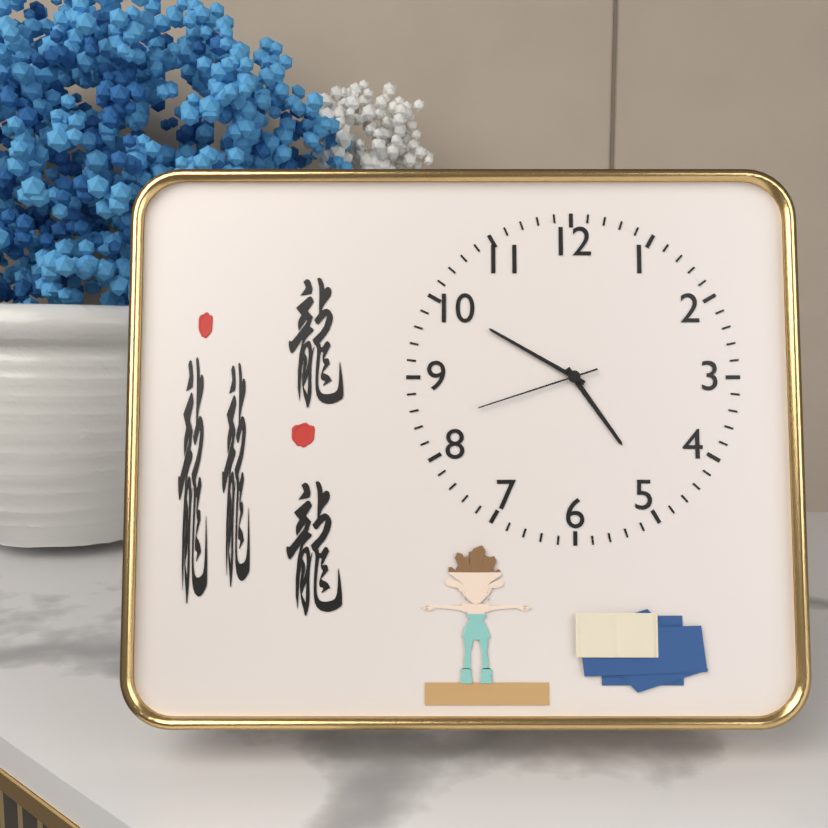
{"hour": 4, "minute": 50, "second": 42}
